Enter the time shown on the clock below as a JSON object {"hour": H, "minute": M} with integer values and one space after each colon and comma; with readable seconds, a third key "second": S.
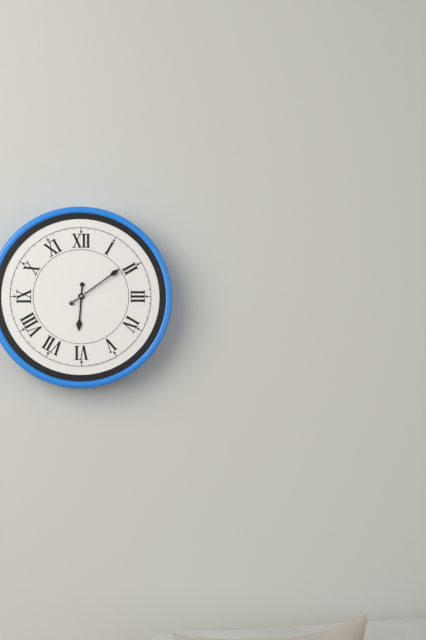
{"hour": 6, "minute": 9, "second": 10}
